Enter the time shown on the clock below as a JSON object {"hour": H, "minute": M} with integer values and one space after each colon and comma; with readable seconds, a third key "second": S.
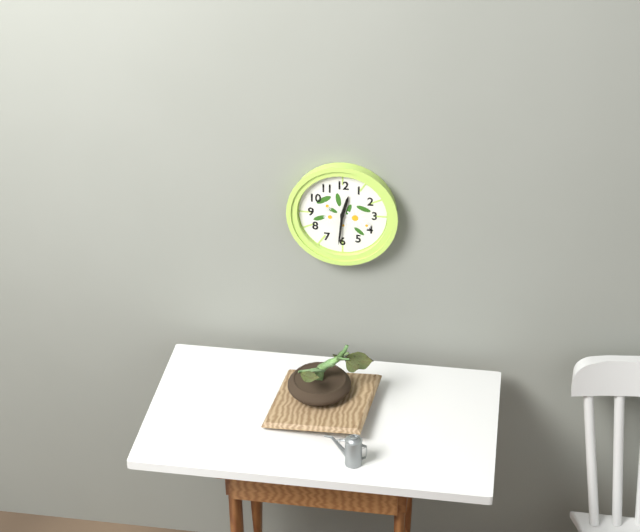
{"hour": 12, "minute": 31}
